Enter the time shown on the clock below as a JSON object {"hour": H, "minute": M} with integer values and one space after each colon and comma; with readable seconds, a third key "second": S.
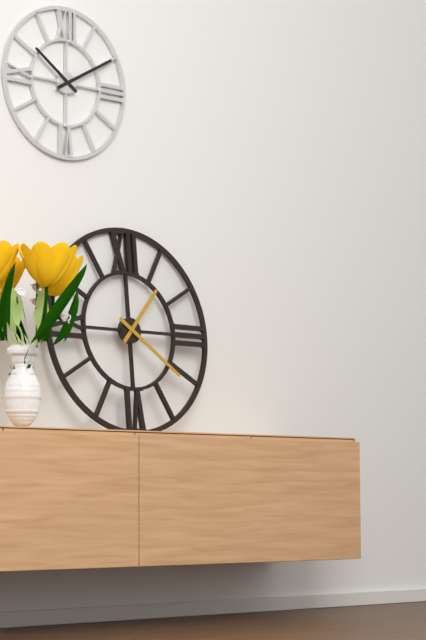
{"hour": 1, "minute": 21}
